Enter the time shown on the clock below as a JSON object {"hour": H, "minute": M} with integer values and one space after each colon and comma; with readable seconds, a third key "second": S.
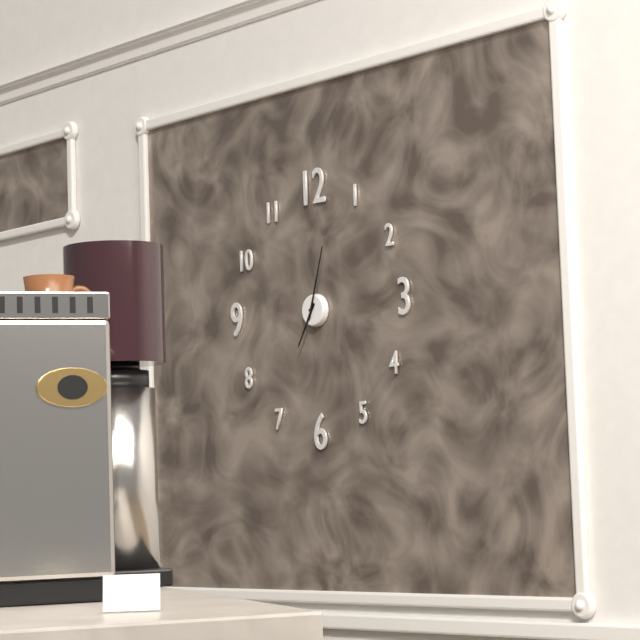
{"hour": 7, "minute": 3}
